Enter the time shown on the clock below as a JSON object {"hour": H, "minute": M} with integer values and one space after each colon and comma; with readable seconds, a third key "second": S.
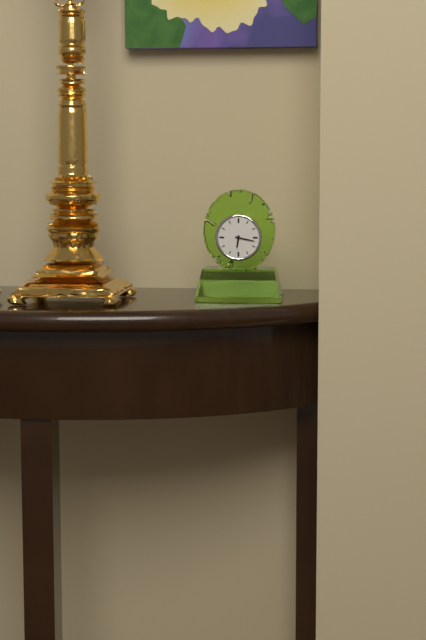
{"hour": 6, "minute": 17}
